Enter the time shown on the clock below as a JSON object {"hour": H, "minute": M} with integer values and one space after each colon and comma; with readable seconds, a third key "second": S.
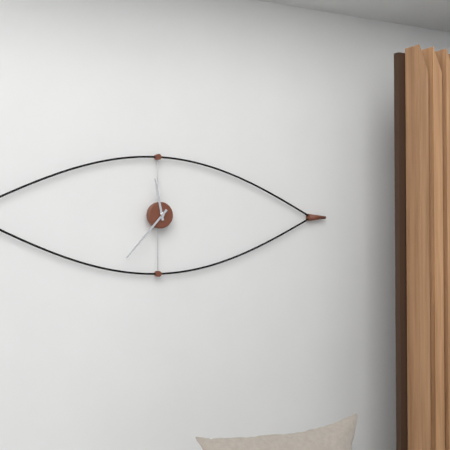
{"hour": 11, "minute": 37}
